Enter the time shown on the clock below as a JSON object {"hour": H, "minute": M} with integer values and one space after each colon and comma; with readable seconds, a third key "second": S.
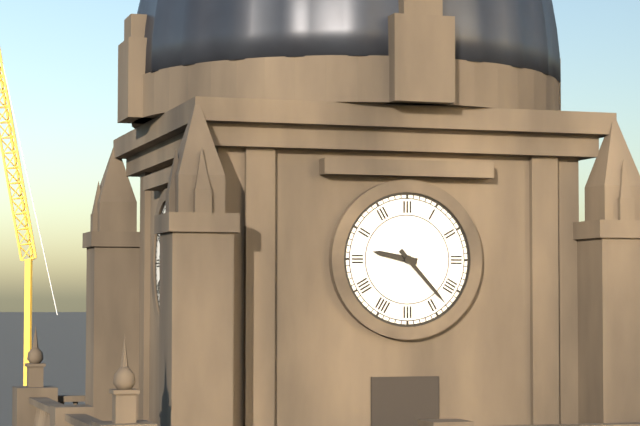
{"hour": 9, "minute": 23}
